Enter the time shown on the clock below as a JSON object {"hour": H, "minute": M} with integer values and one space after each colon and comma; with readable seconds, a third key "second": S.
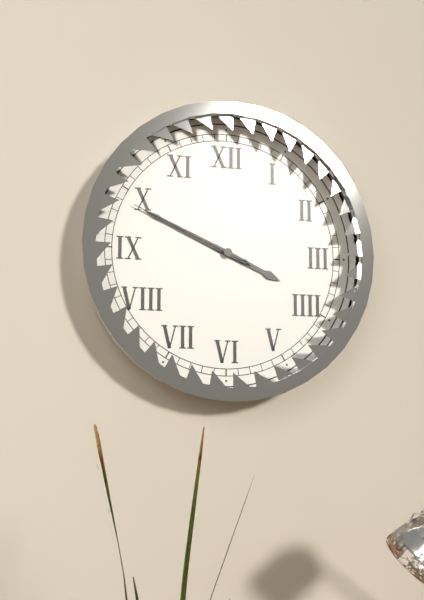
{"hour": 3, "minute": 49, "second": 49}
